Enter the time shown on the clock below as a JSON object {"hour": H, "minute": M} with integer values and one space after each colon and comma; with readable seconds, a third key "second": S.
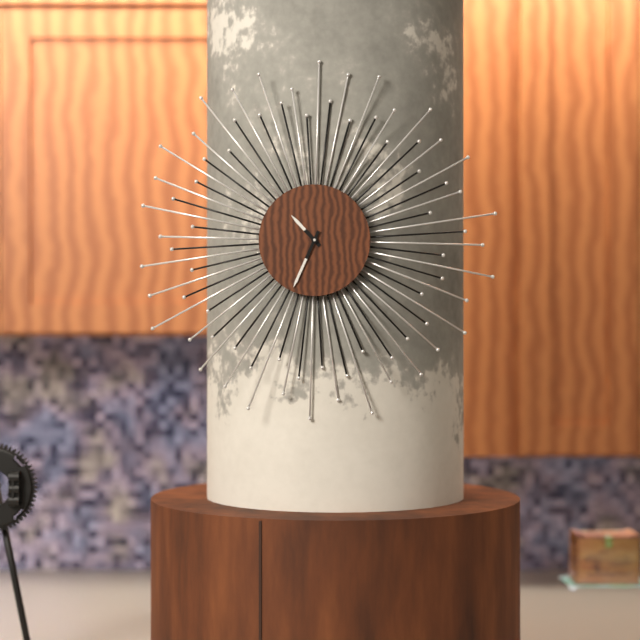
{"hour": 10, "minute": 34}
